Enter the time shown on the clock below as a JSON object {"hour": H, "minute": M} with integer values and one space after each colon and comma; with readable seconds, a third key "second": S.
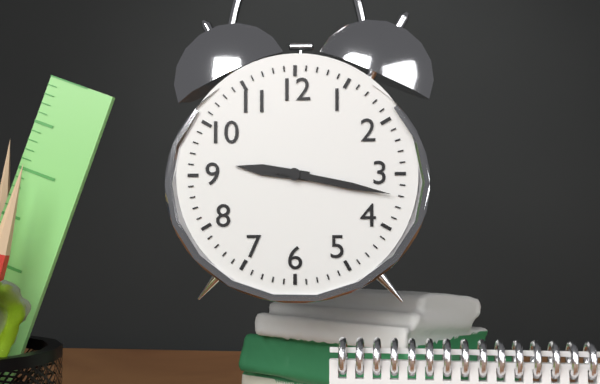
{"hour": 9, "minute": 17}
